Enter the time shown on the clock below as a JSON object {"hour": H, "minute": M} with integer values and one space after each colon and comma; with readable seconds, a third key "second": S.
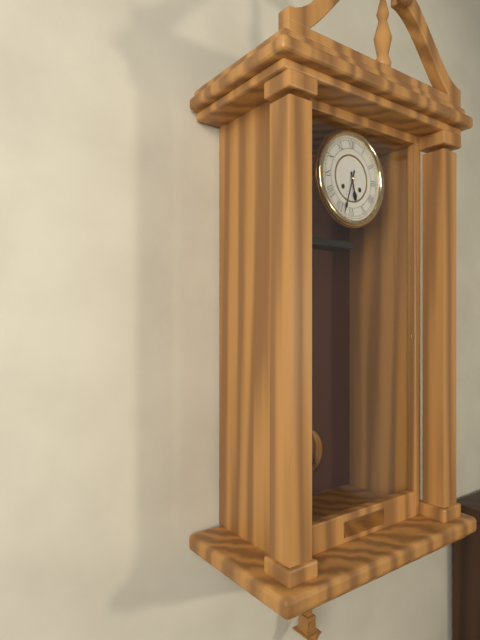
{"hour": 5, "minute": 33}
